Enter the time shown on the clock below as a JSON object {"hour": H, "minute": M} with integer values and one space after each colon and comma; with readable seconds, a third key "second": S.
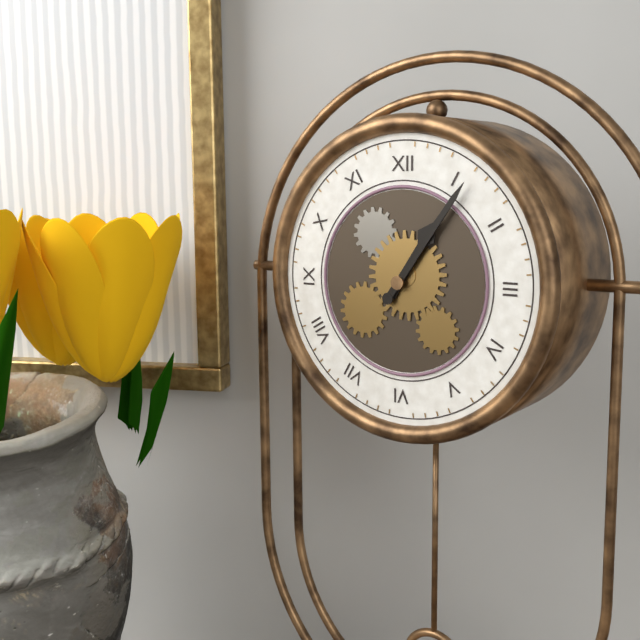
{"hour": 1, "minute": 6}
